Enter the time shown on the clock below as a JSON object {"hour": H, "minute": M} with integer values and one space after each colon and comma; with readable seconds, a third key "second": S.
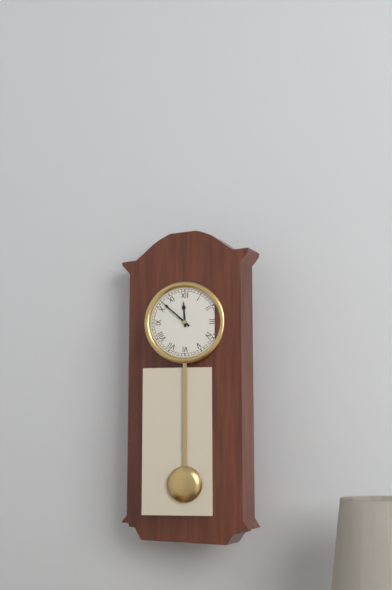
{"hour": 11, "minute": 52}
